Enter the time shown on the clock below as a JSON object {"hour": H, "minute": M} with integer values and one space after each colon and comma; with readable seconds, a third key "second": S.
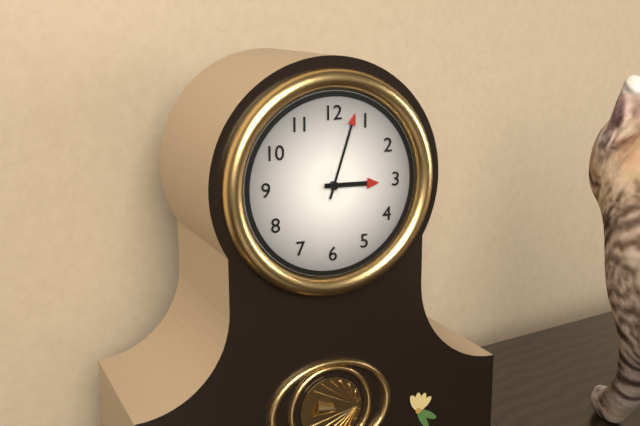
{"hour": 3, "minute": 3}
